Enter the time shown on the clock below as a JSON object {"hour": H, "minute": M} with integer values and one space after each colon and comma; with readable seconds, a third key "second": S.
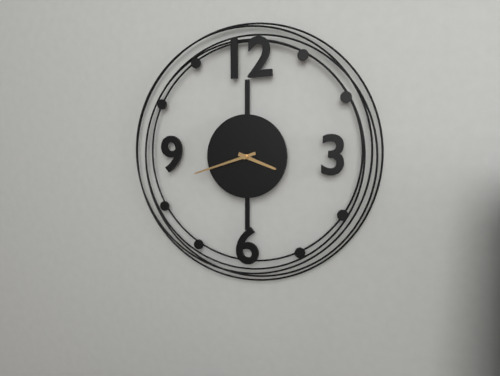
{"hour": 3, "minute": 42}
